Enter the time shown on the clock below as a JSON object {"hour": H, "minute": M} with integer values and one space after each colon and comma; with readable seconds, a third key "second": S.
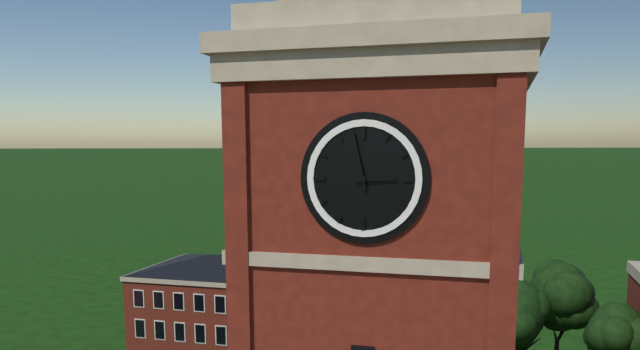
{"hour": 2, "minute": 58}
